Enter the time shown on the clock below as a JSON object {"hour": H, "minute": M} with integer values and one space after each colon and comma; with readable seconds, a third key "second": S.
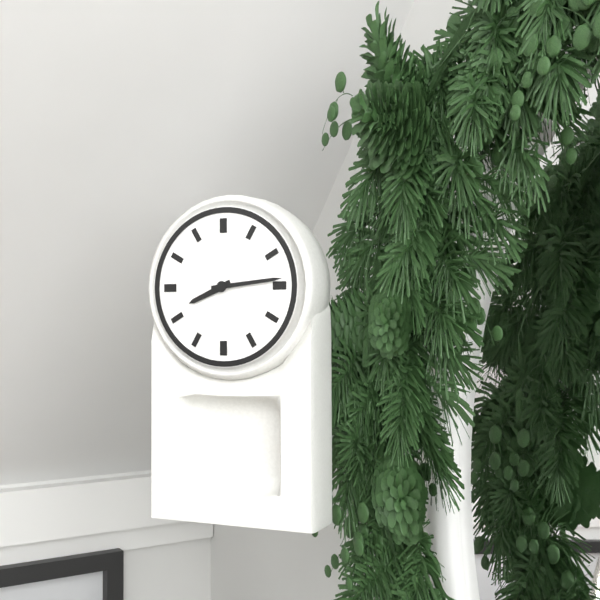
{"hour": 8, "minute": 14}
